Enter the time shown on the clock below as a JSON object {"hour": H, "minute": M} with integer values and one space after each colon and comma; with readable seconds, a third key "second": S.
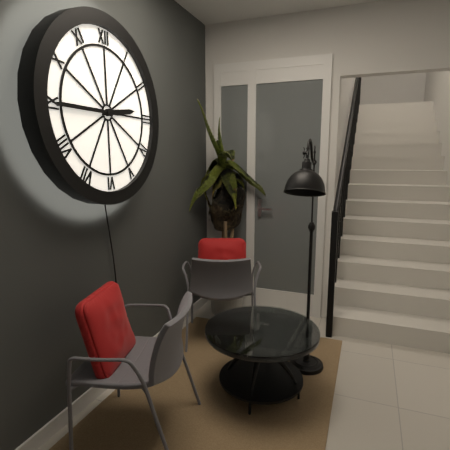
{"hour": 2, "minute": 45}
